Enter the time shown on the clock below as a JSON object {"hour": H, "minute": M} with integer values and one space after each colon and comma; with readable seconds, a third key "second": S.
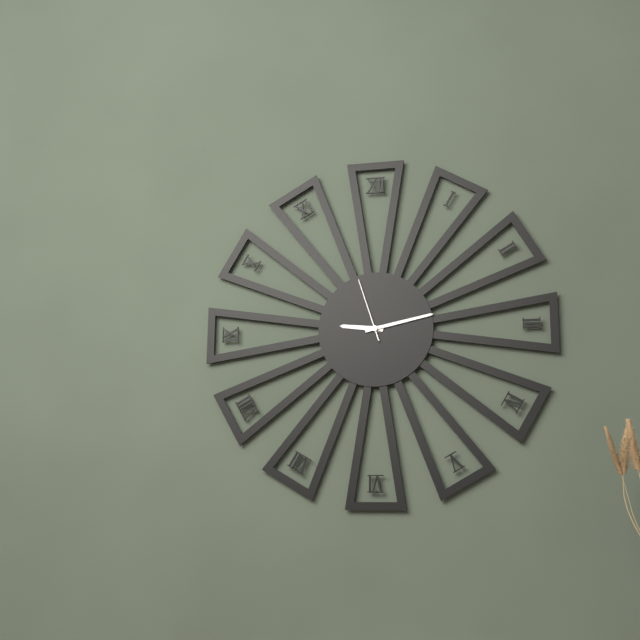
{"hour": 9, "minute": 13, "second": 57}
